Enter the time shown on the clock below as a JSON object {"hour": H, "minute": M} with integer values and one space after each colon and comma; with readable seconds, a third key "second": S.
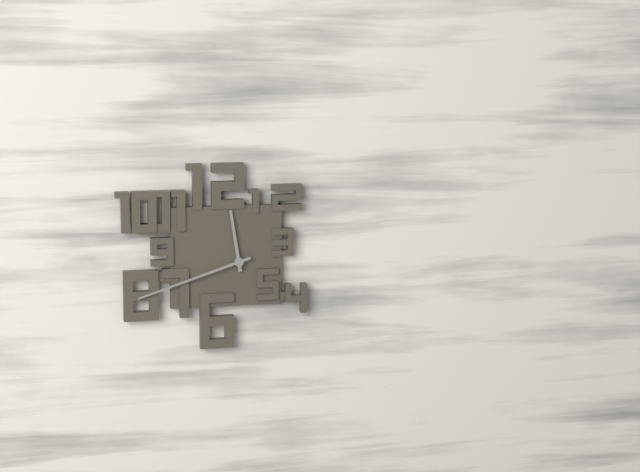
{"hour": 11, "minute": 42}
